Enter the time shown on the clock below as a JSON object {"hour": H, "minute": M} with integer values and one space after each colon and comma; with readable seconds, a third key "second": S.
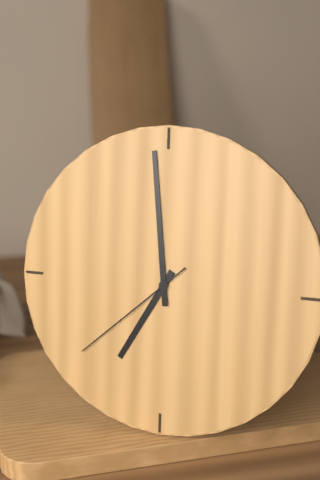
{"hour": 6, "minute": 59, "second": 38}
